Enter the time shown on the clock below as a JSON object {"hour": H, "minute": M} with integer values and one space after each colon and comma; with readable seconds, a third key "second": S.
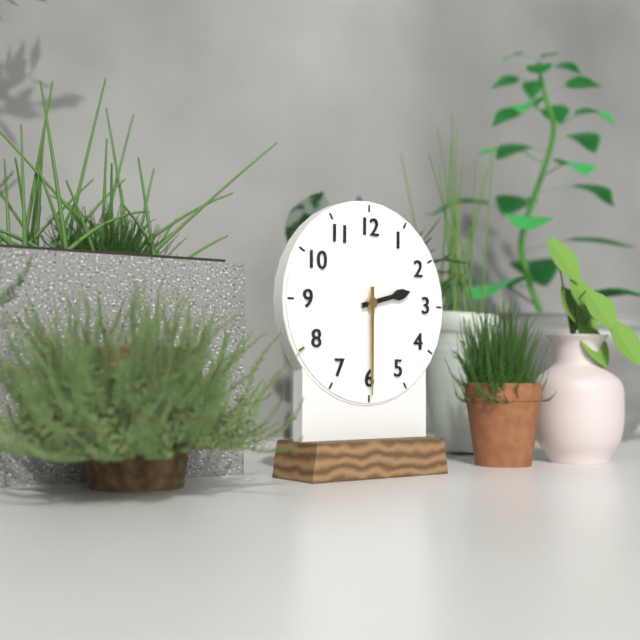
{"hour": 2, "minute": 30}
